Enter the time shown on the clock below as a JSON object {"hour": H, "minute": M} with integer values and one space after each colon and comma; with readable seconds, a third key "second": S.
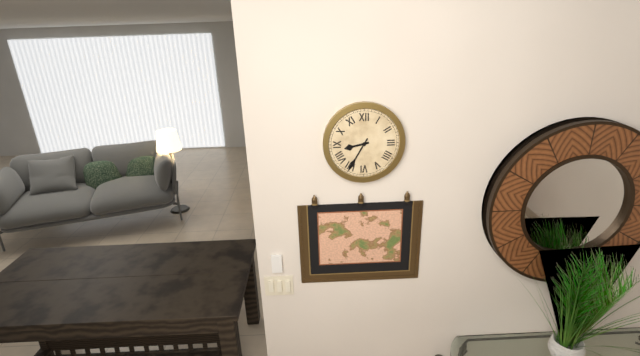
{"hour": 8, "minute": 35}
